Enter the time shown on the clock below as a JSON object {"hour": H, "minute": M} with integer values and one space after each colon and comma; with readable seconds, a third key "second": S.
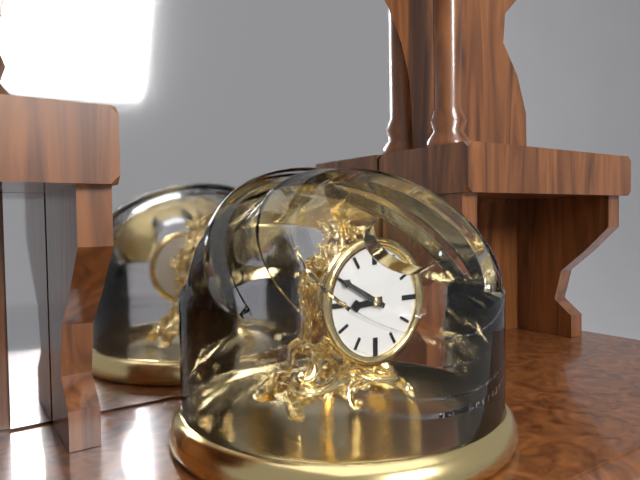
{"hour": 8, "minute": 50}
